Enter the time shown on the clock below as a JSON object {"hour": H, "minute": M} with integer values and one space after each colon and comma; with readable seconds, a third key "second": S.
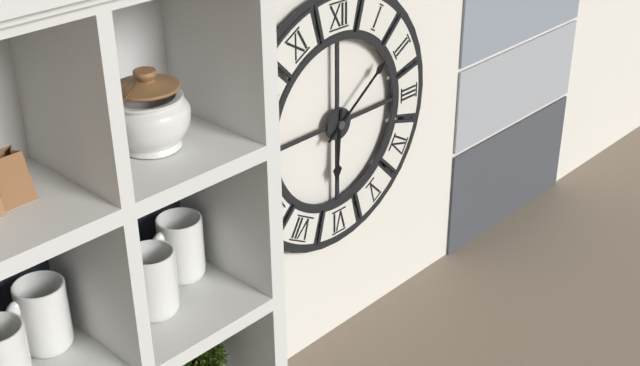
{"hour": 6, "minute": 9}
